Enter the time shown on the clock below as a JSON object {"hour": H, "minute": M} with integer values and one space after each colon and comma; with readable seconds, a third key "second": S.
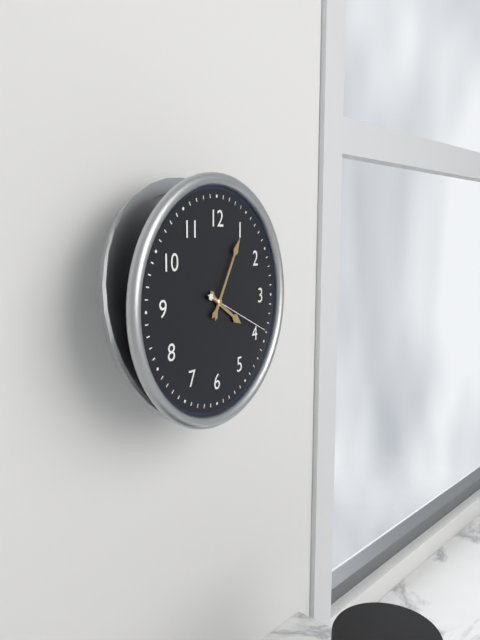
{"hour": 4, "minute": 5, "second": 19}
